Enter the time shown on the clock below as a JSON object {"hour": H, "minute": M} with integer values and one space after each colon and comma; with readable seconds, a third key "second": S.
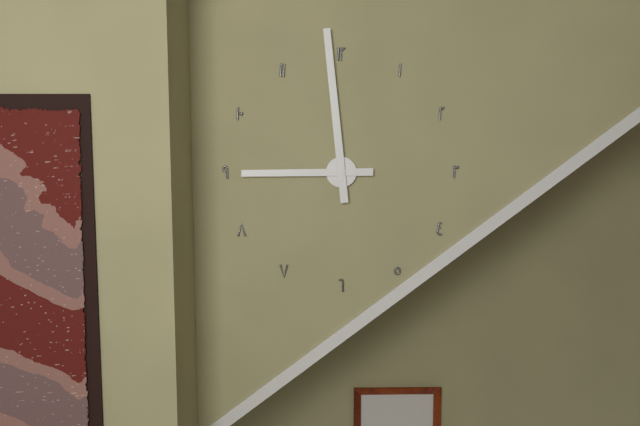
{"hour": 8, "minute": 59}
